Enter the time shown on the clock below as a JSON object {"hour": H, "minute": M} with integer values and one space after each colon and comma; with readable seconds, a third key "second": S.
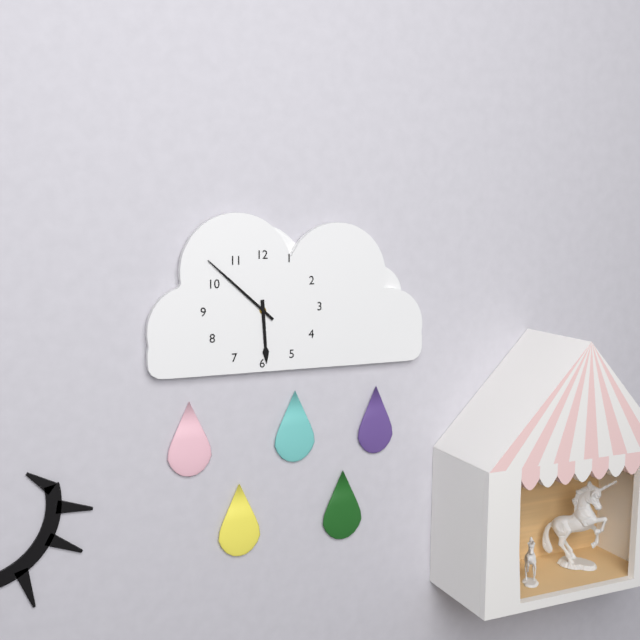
{"hour": 5, "minute": 52}
